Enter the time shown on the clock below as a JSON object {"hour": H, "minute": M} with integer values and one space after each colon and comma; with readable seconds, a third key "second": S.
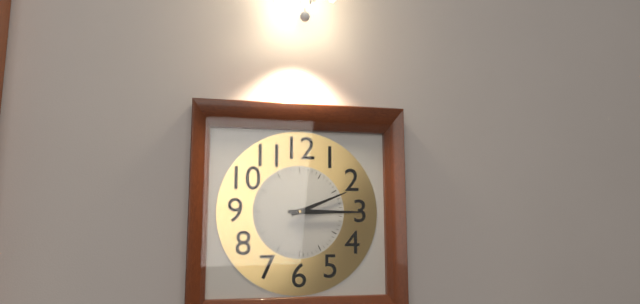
{"hour": 2, "minute": 15}
